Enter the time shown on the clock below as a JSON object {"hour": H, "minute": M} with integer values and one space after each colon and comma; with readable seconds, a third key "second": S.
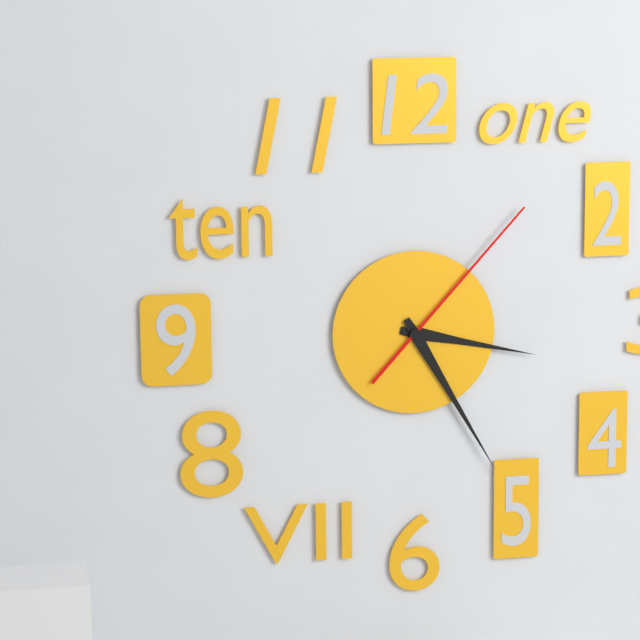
{"hour": 3, "minute": 25, "second": 7}
